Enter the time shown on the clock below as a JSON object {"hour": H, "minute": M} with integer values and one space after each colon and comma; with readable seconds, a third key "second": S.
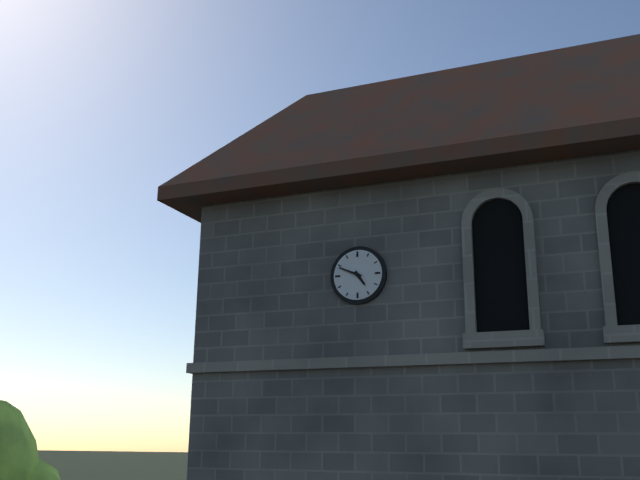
{"hour": 4, "minute": 49}
